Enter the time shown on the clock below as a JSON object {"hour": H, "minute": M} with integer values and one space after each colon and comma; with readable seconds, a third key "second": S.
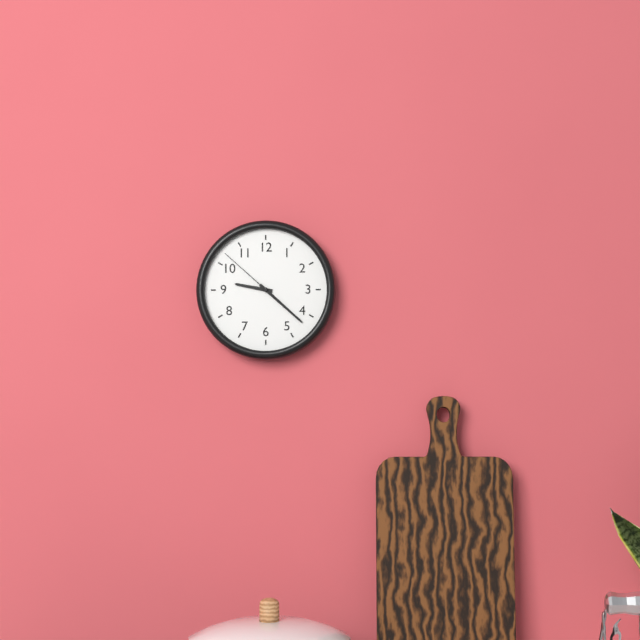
{"hour": 9, "minute": 22, "second": 52}
